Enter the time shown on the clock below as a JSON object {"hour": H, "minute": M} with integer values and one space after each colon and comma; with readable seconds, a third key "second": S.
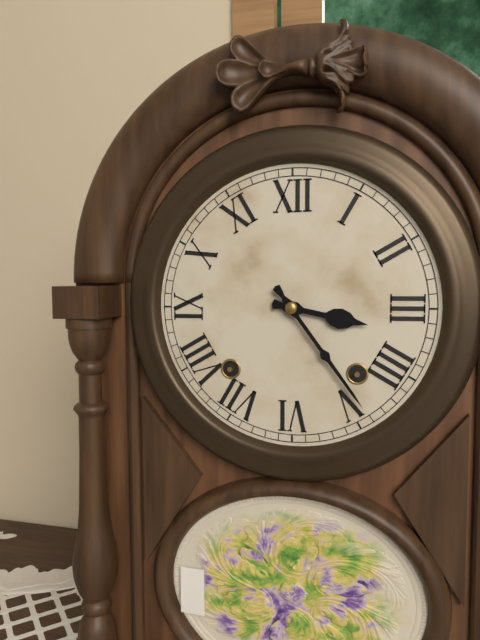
{"hour": 3, "minute": 24}
